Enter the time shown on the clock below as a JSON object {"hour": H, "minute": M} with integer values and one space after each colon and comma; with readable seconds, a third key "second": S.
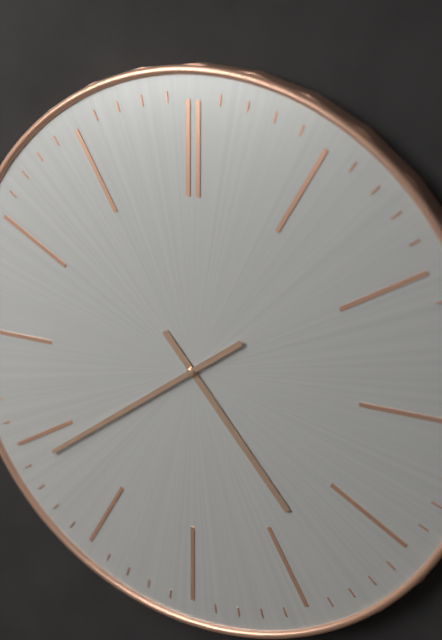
{"hour": 4, "minute": 39}
